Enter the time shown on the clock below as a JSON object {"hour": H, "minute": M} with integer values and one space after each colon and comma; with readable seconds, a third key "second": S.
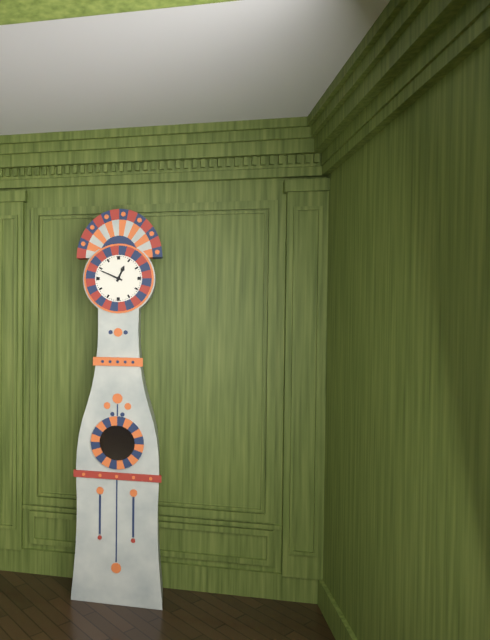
{"hour": 12, "minute": 49}
